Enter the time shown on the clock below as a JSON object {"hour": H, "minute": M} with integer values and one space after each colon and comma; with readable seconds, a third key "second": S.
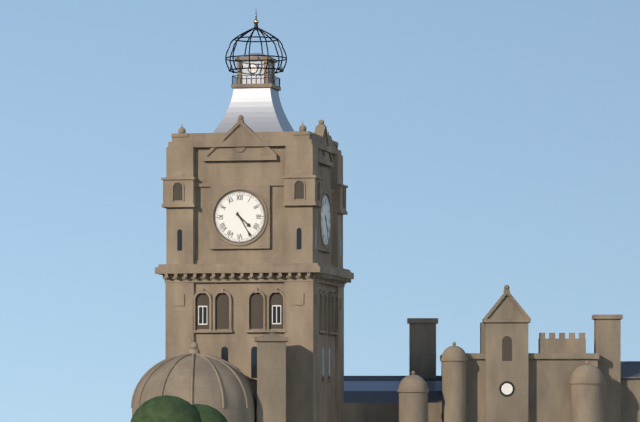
{"hour": 4, "minute": 25}
